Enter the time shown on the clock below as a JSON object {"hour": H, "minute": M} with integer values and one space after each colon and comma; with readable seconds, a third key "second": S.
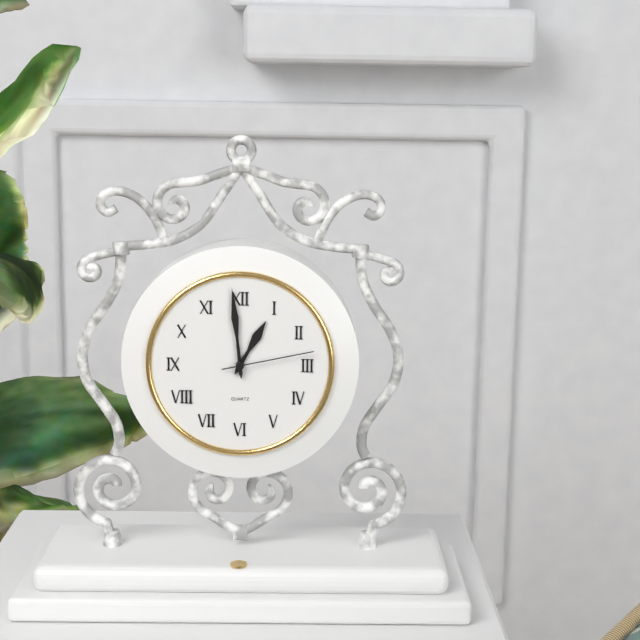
{"hour": 12, "minute": 59, "second": 13}
